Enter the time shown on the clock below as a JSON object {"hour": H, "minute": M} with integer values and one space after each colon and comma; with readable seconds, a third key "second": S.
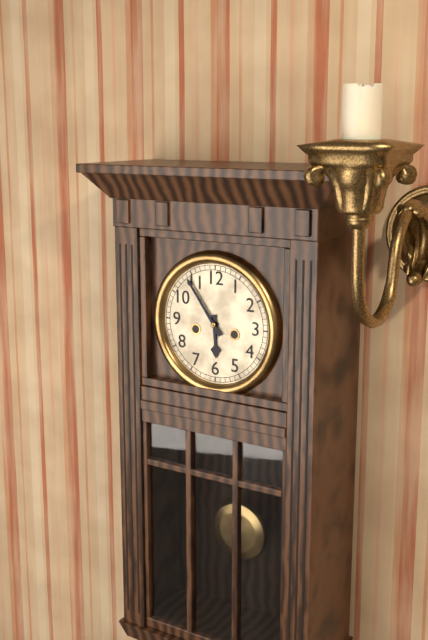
{"hour": 5, "minute": 54}
